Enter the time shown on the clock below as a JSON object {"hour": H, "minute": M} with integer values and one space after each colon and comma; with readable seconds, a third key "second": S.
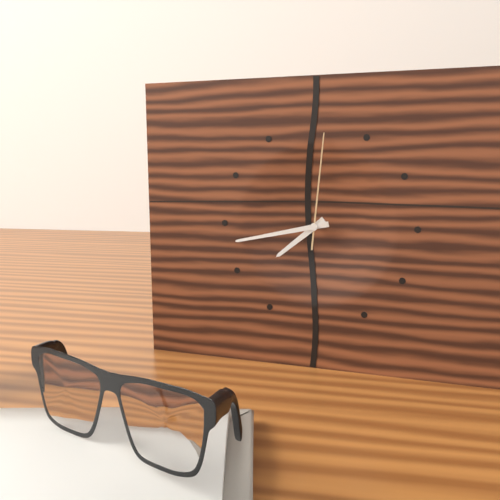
{"hour": 7, "minute": 43, "second": 1}
